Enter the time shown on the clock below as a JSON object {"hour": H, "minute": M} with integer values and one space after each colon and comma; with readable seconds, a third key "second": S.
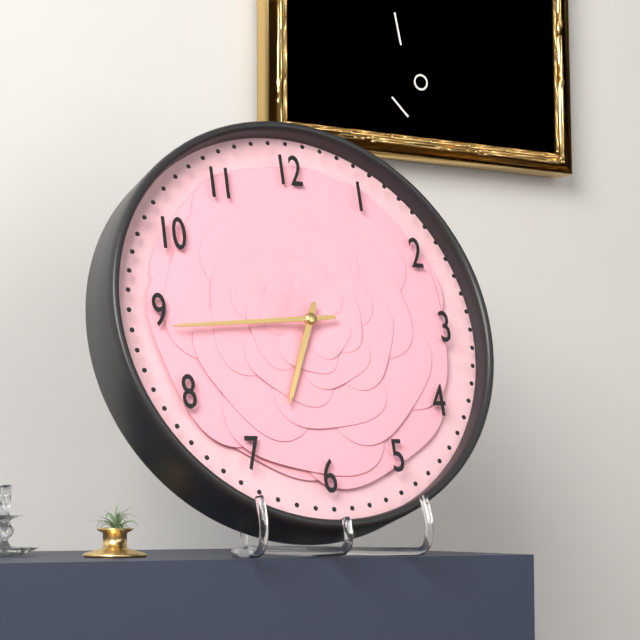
{"hour": 6, "minute": 44}
